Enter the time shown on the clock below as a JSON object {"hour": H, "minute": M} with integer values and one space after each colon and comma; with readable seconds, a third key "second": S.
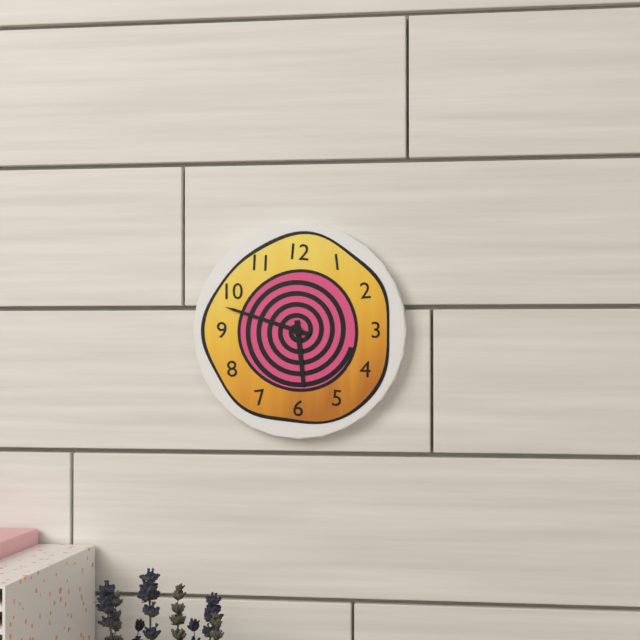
{"hour": 5, "minute": 48}
